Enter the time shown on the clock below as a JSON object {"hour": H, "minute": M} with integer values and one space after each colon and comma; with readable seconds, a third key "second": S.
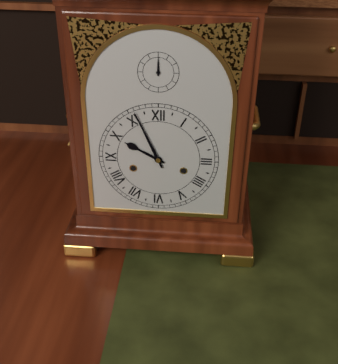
{"hour": 9, "minute": 56}
